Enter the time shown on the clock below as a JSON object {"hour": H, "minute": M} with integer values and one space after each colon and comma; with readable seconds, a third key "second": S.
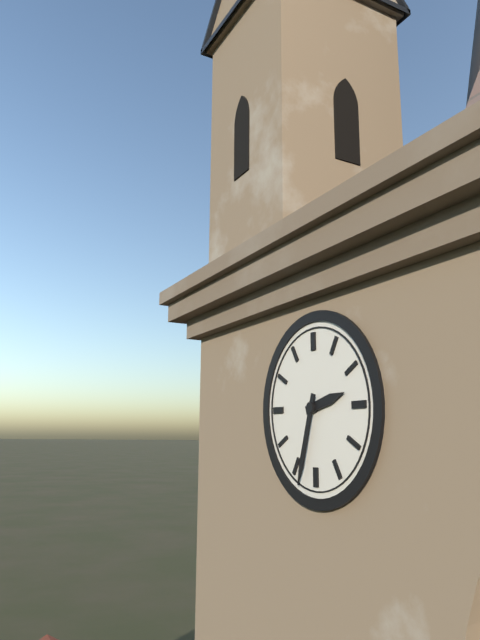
{"hour": 2, "minute": 33}
